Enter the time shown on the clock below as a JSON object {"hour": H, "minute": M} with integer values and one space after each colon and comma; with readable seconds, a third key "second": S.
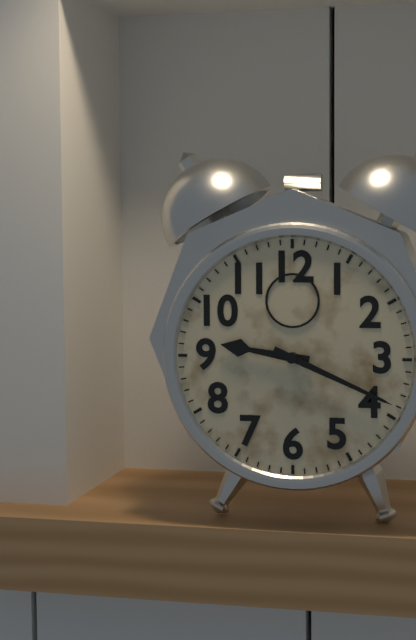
{"hour": 9, "minute": 19}
